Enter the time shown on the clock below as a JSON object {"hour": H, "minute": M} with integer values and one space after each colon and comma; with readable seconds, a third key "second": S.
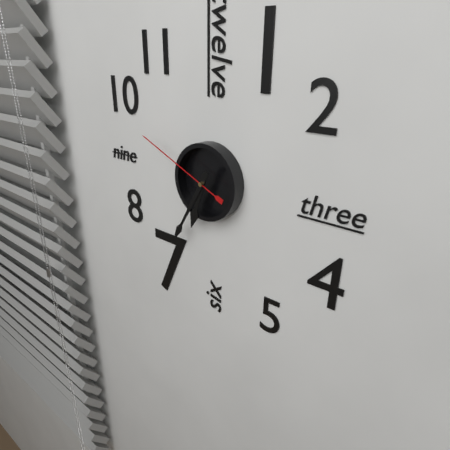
{"hour": 6, "minute": 35, "second": 49}
